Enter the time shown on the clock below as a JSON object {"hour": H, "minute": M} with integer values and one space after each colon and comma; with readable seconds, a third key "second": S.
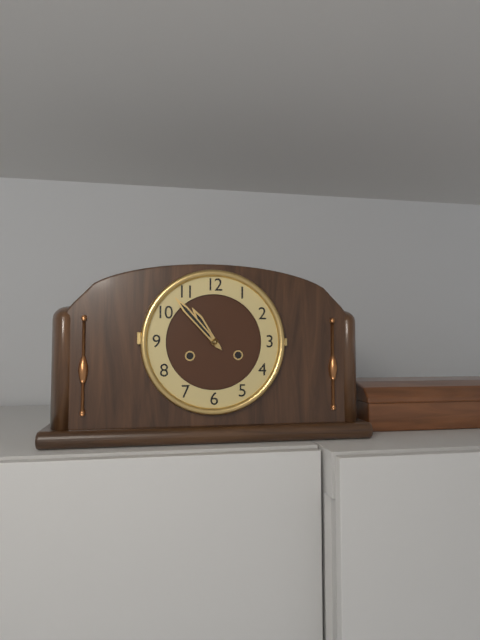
{"hour": 10, "minute": 53}
